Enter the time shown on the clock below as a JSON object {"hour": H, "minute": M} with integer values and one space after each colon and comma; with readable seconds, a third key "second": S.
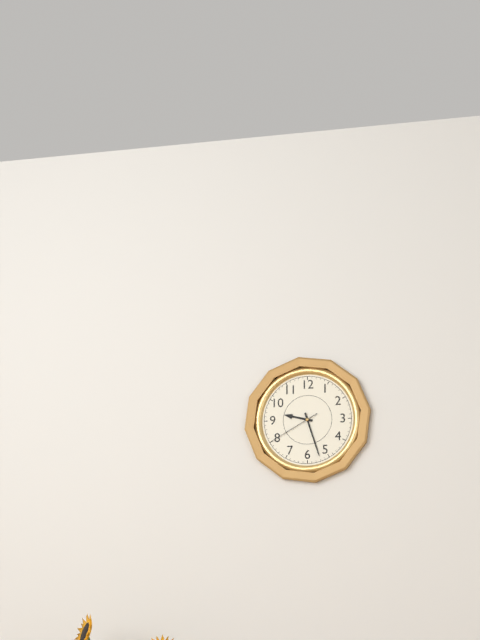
{"hour": 9, "minute": 27, "second": 40}
